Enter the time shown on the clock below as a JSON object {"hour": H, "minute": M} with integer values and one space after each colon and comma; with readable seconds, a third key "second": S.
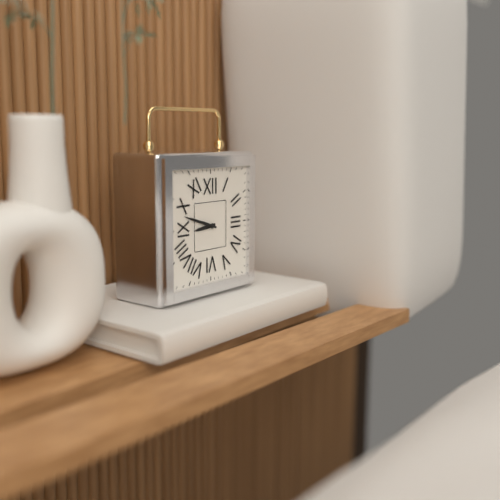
{"hour": 8, "minute": 48}
